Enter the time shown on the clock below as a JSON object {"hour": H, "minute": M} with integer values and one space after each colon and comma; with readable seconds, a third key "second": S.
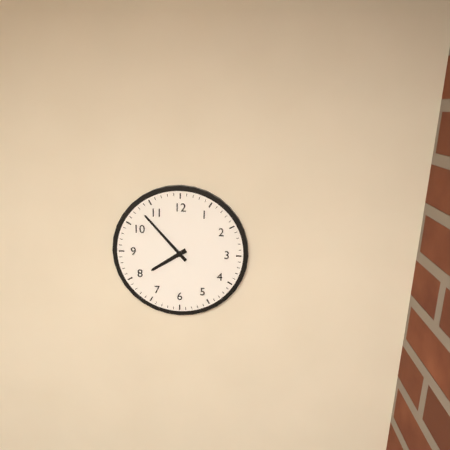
{"hour": 7, "minute": 53}
